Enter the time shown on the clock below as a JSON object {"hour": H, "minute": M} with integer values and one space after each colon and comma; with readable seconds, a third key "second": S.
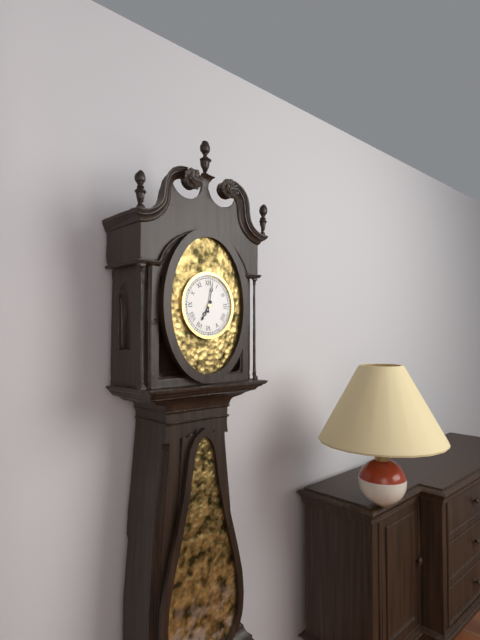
{"hour": 7, "minute": 2}
